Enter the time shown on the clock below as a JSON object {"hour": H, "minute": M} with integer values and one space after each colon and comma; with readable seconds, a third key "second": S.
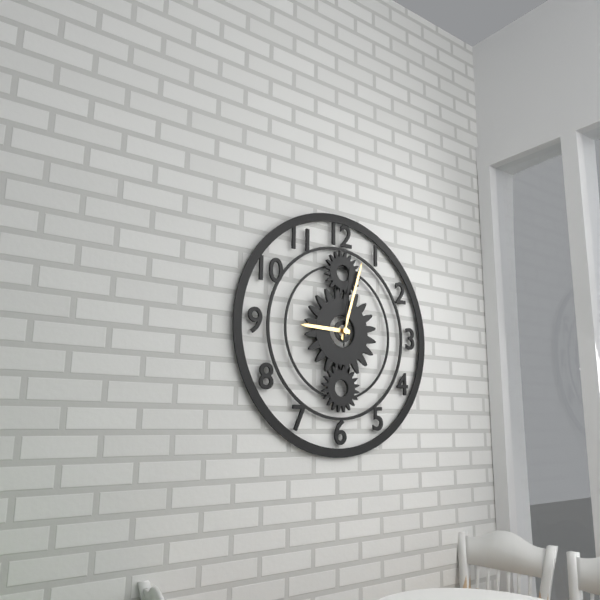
{"hour": 9, "minute": 3, "second": 1}
